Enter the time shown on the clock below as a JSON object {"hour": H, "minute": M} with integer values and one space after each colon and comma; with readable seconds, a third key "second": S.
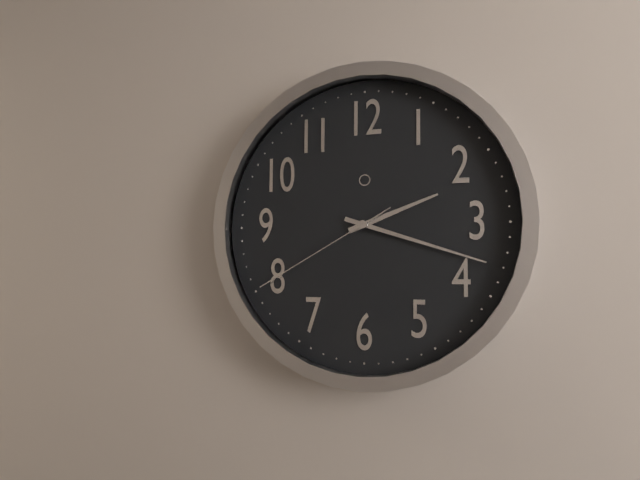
{"hour": 2, "minute": 18, "second": 40}
